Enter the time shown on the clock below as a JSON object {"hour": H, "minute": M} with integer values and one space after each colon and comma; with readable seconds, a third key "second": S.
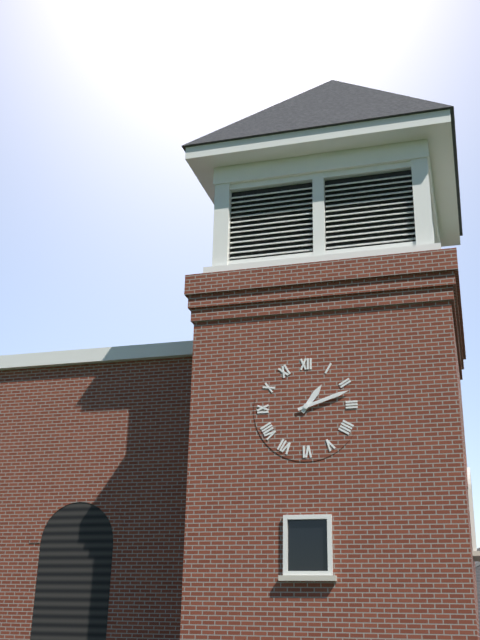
{"hour": 1, "minute": 12}
